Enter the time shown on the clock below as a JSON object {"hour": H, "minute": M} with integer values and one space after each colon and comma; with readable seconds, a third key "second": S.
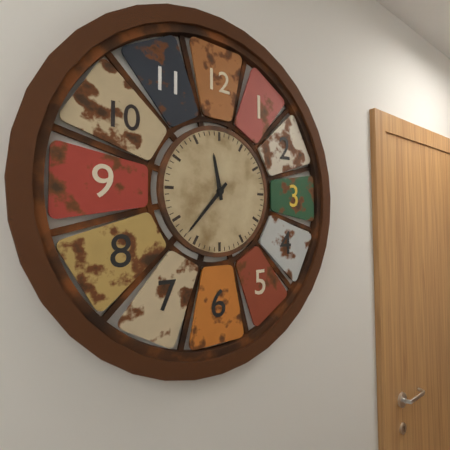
{"hour": 11, "minute": 37}
